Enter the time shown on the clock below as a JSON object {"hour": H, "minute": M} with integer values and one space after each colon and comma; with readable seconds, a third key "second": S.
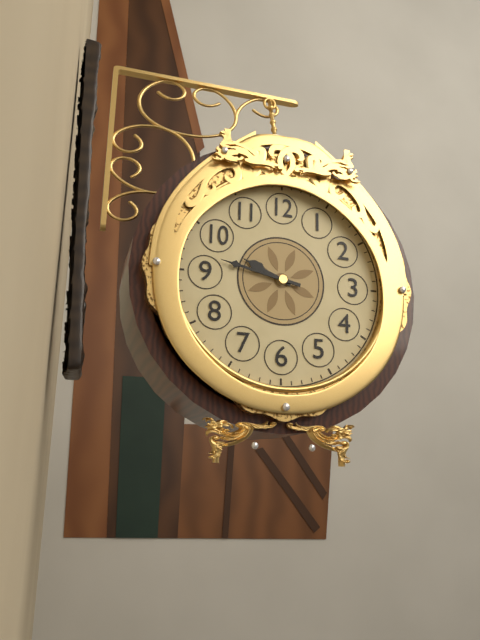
{"hour": 9, "minute": 47}
